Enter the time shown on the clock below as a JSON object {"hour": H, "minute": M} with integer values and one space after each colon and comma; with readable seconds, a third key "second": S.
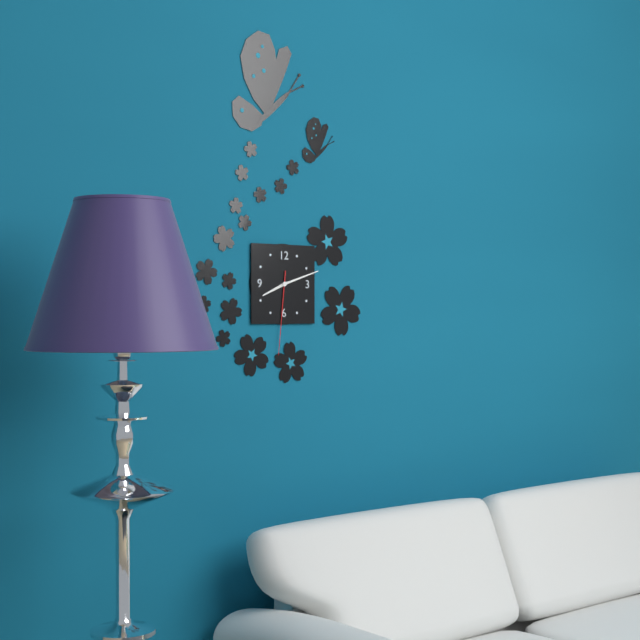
{"hour": 8, "minute": 12, "second": 31}
